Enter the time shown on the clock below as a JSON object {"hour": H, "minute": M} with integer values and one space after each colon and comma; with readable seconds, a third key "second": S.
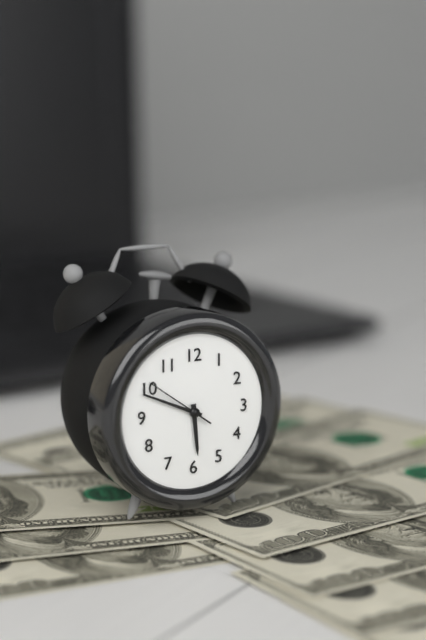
{"hour": 5, "minute": 49, "second": 51}
